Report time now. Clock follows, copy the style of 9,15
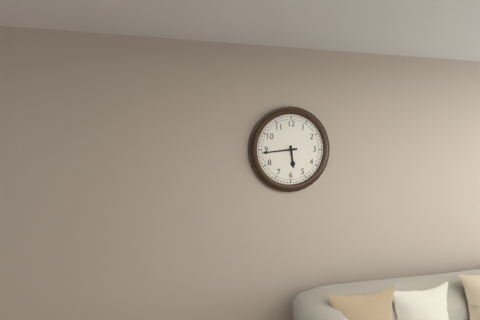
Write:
5,44
